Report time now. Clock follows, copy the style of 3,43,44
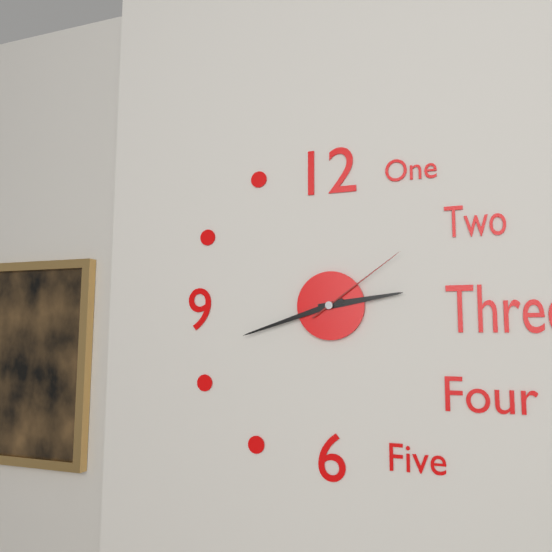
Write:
2,42,09
